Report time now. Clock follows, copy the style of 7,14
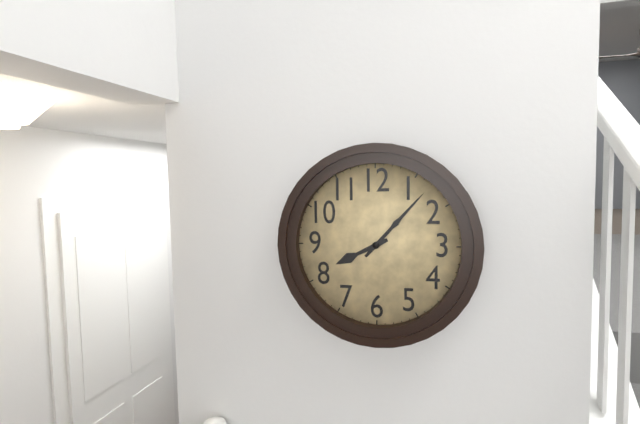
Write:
8,07
